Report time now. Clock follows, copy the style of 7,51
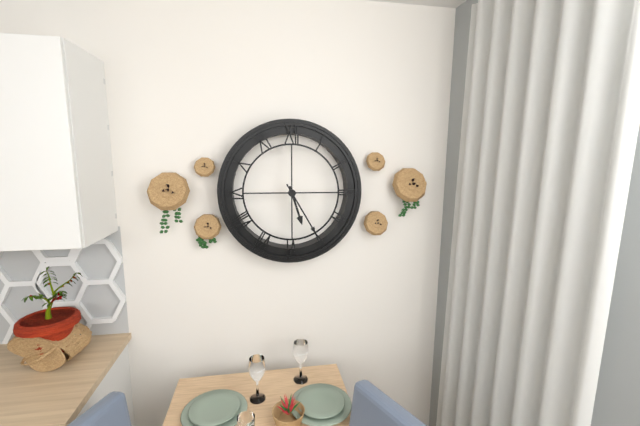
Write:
5,25
